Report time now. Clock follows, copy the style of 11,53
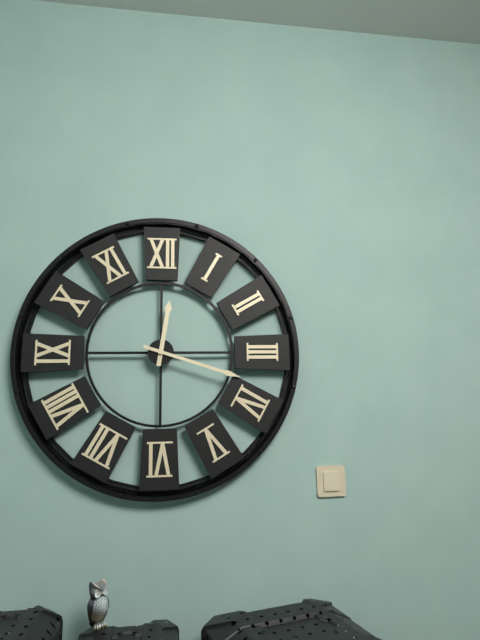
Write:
12,18
